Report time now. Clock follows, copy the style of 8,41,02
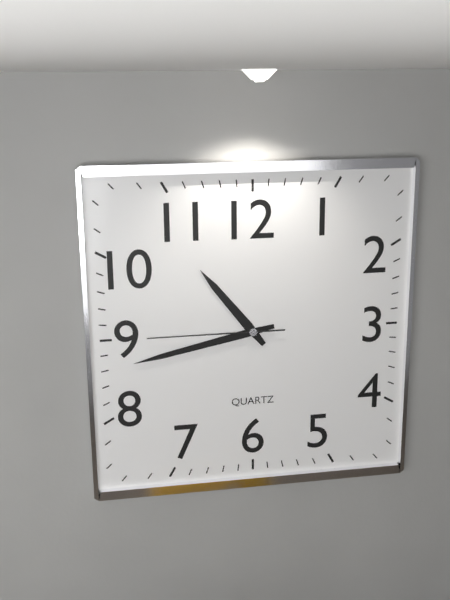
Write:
10,43,45
